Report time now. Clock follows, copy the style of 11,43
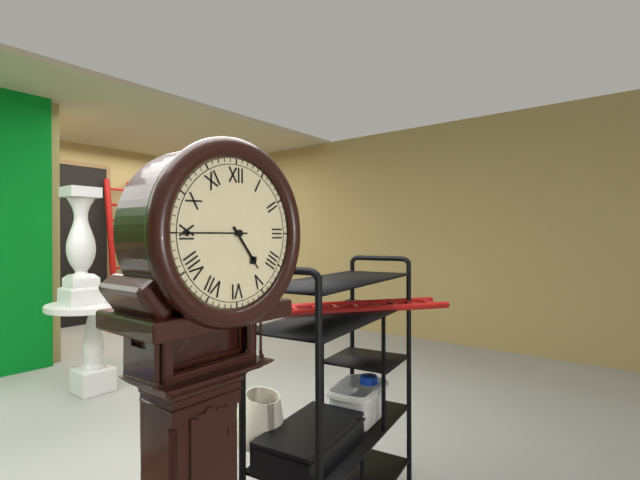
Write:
4,45
